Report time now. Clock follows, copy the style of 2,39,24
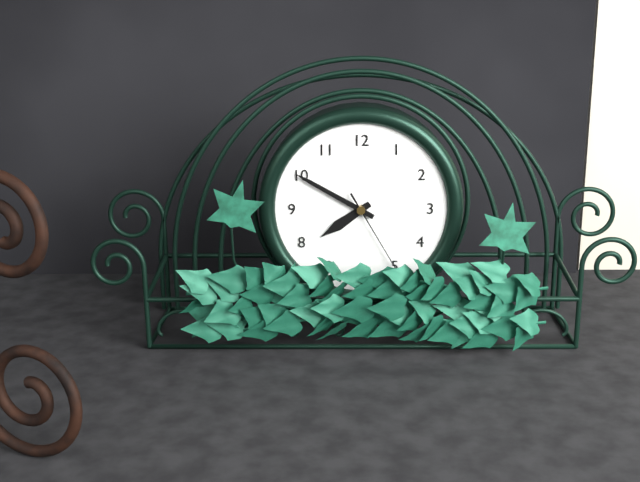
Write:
7,50,25
